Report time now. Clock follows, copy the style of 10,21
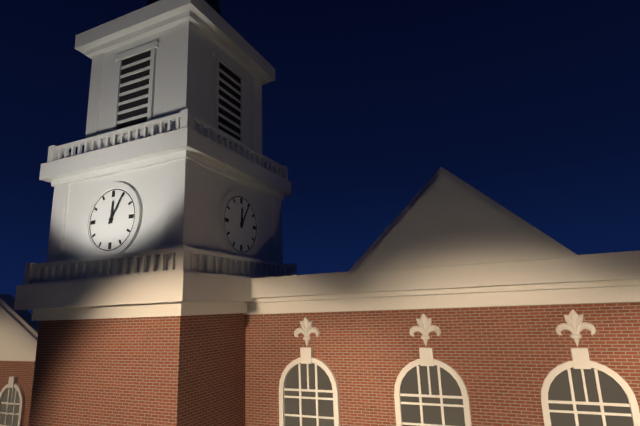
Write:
12,05
